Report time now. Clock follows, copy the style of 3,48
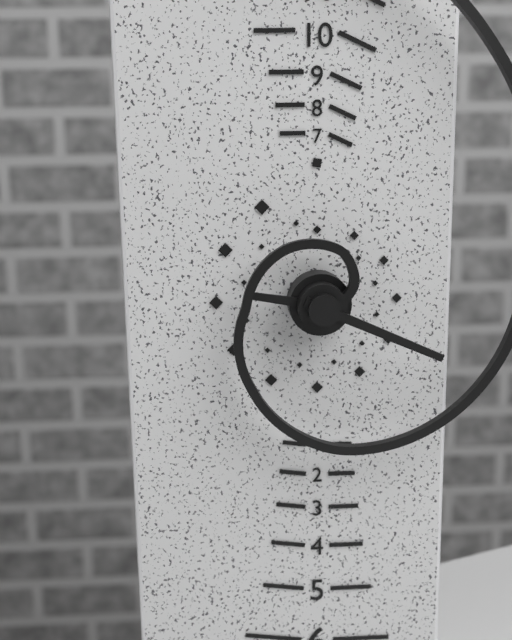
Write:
9,19
